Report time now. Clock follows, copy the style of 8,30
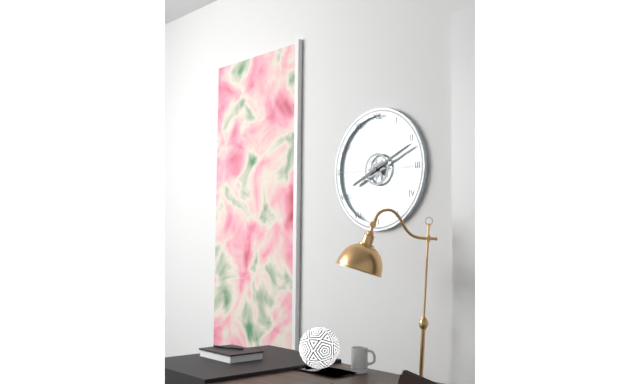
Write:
8,11
